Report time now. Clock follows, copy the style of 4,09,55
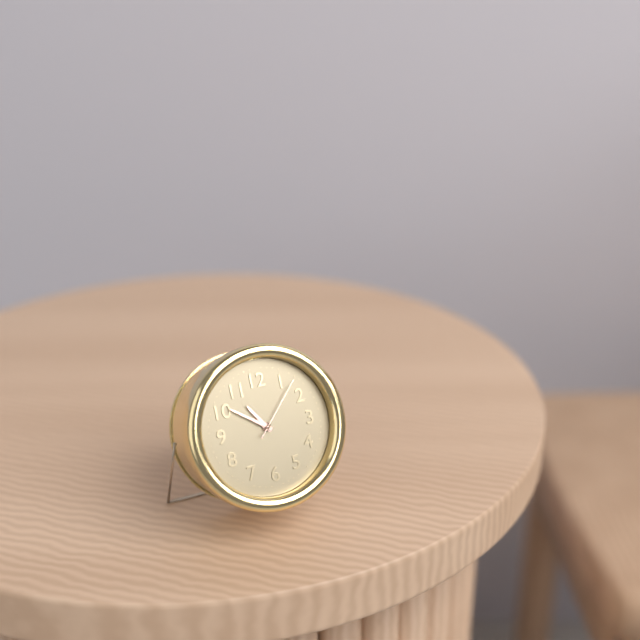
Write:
10,51,07
